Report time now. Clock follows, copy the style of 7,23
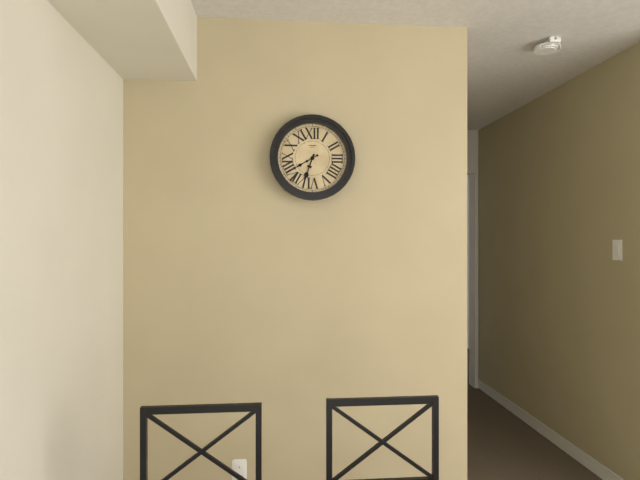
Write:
6,40
